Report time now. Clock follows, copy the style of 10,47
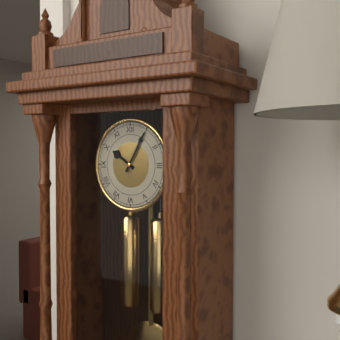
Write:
10,05
